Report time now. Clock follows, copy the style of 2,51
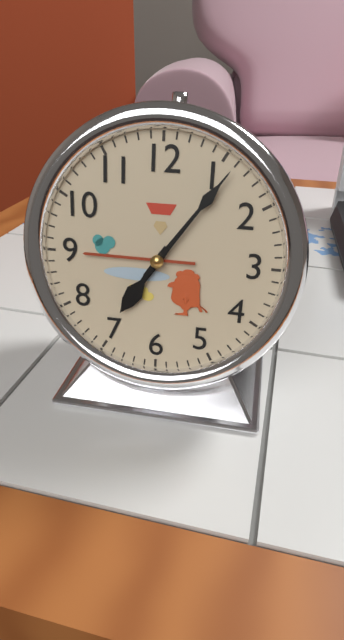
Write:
7,06
